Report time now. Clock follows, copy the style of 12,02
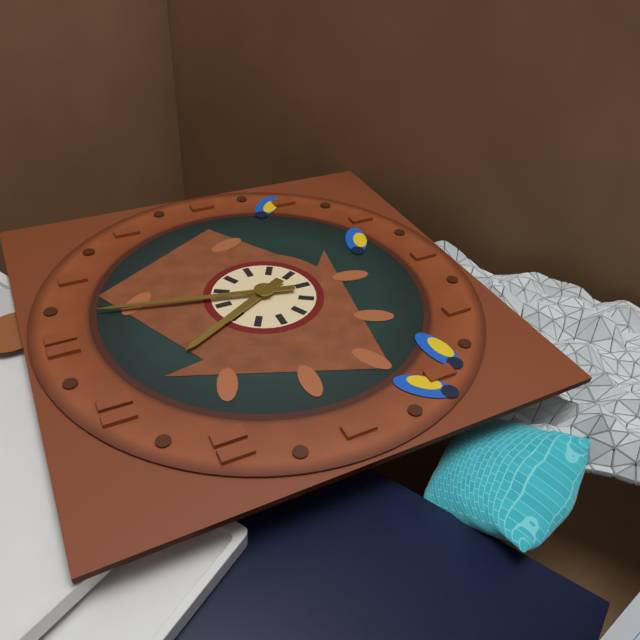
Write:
11,02
